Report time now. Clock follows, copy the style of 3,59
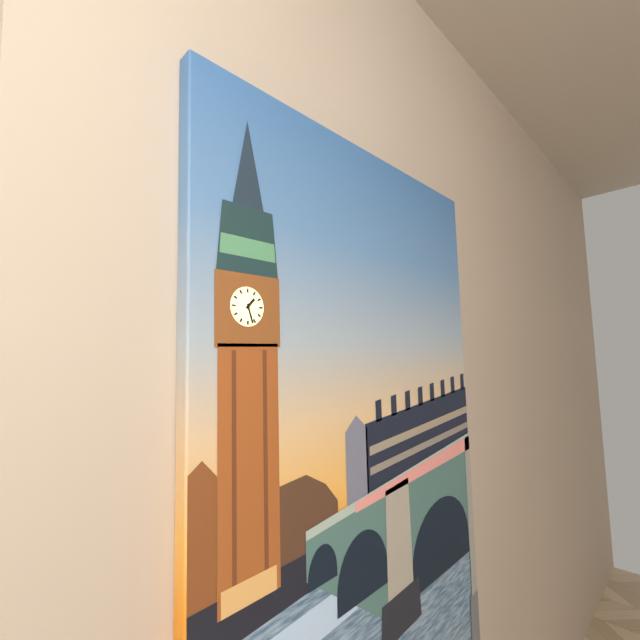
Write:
1,27
